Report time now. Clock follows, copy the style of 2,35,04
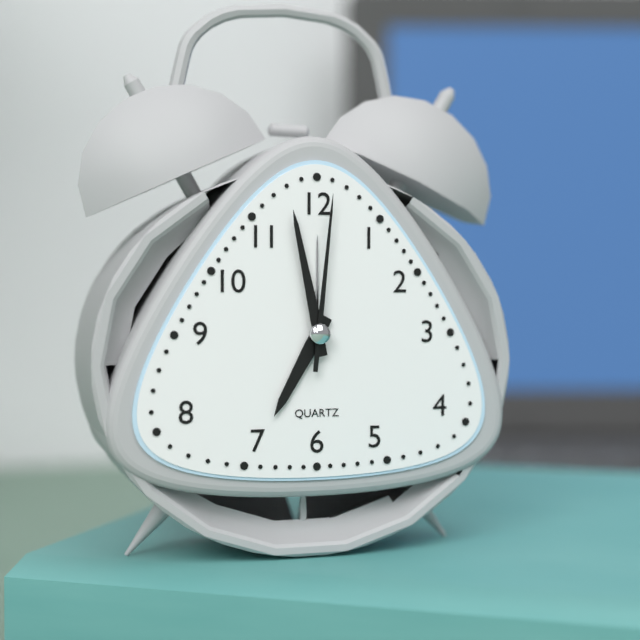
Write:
6,58,01
